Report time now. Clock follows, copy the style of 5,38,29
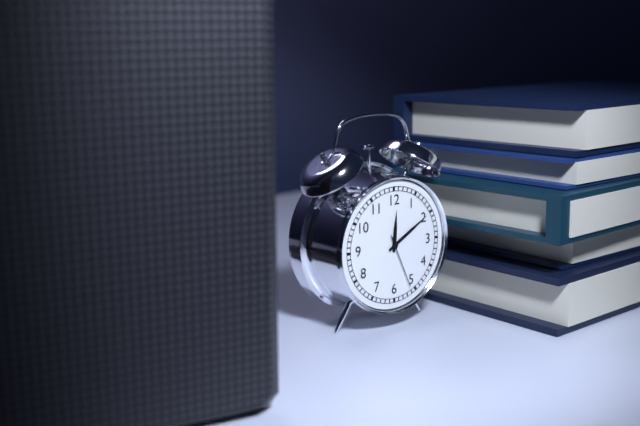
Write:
12,10,26
